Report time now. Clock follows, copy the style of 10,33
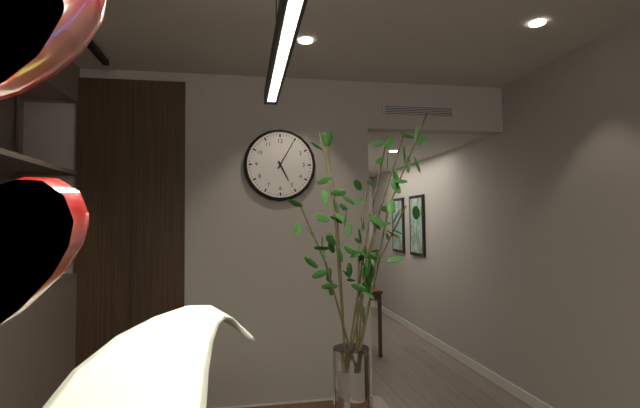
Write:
5,05
